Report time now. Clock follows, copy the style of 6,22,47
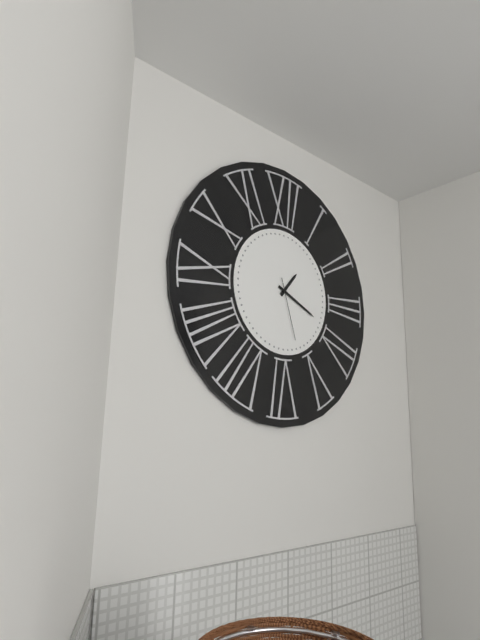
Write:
1,19,27
